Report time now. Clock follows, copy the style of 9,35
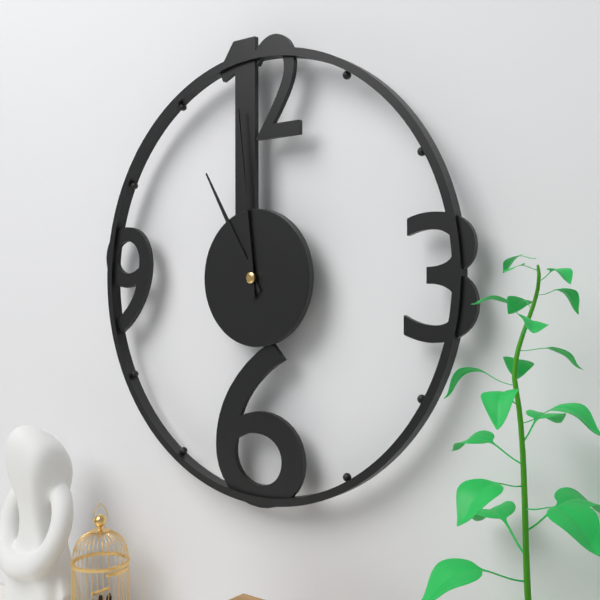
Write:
10,59
